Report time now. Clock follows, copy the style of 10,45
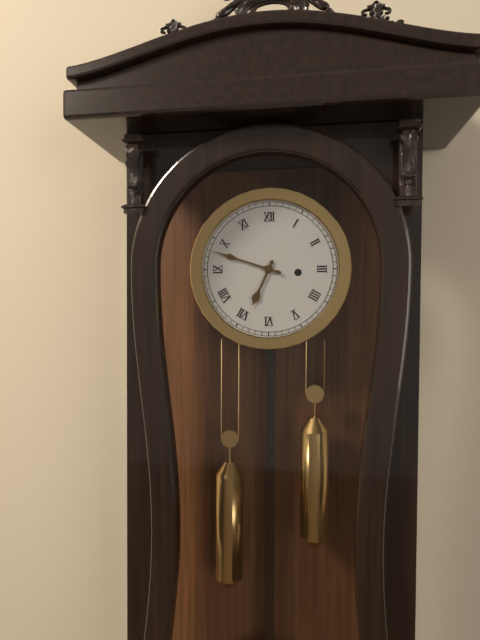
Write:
6,48
